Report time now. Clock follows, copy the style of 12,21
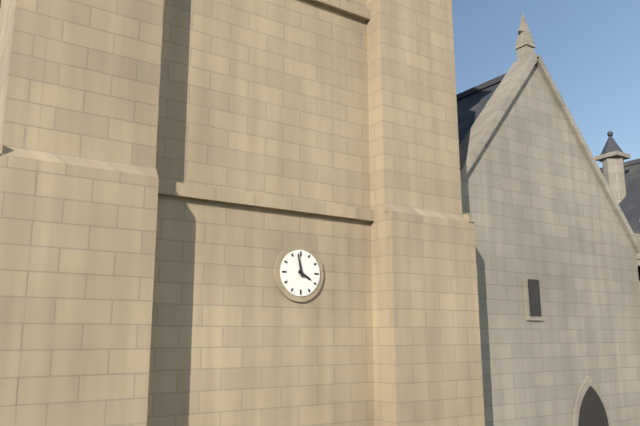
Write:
3,58
